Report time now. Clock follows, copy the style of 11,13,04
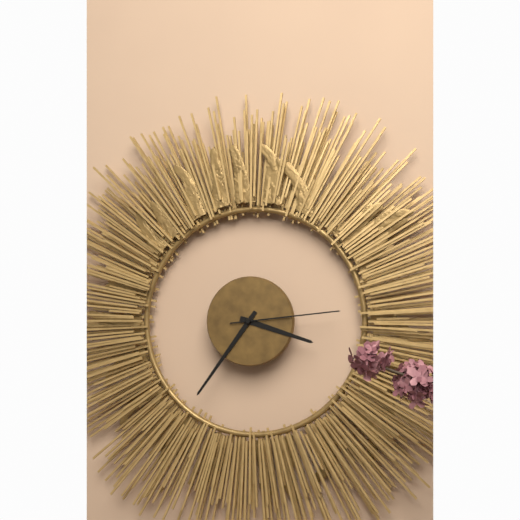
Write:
3,36,14
